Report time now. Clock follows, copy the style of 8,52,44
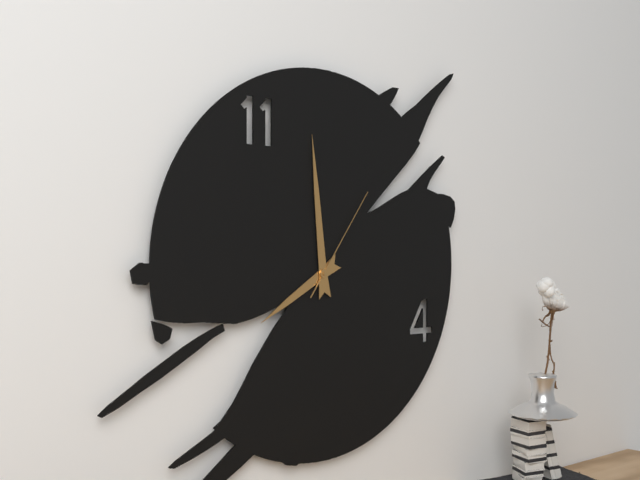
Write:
7,59,06
